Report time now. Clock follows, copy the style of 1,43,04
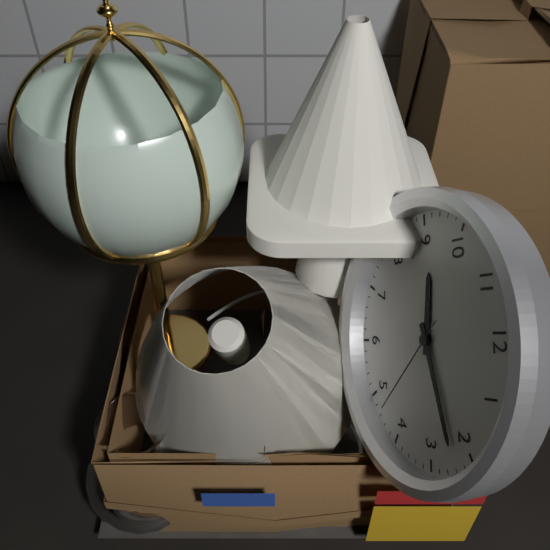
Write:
9,12,23
